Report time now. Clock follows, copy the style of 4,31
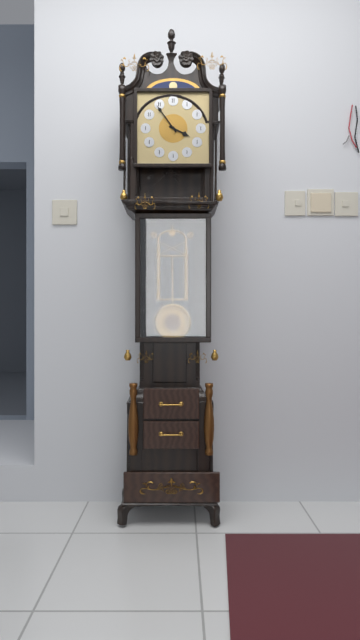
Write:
3,54
